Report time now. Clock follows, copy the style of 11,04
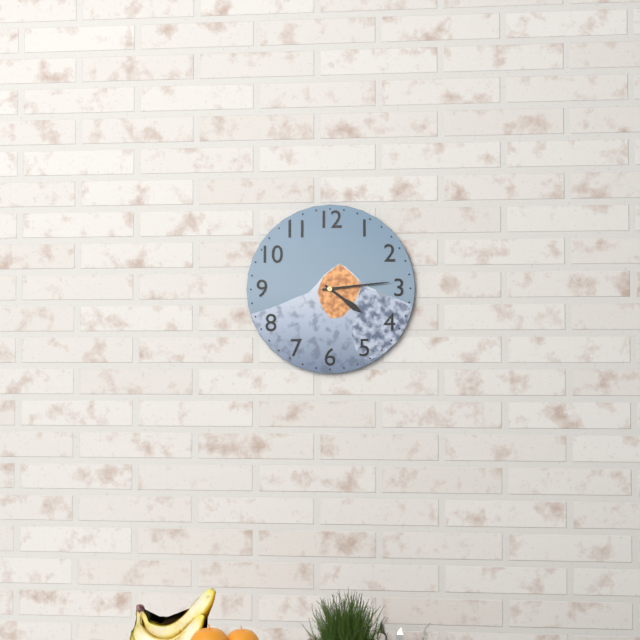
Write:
4,14
